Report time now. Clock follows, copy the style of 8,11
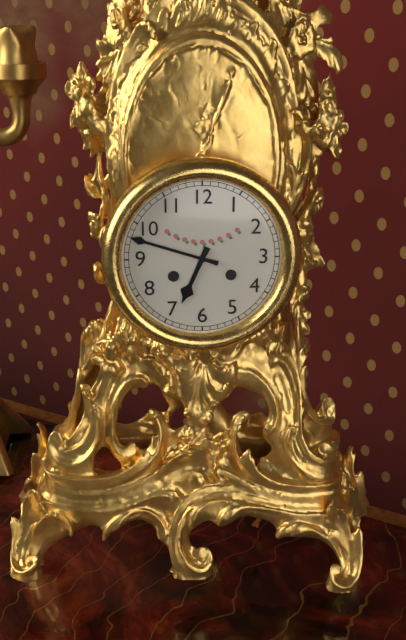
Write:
6,48
